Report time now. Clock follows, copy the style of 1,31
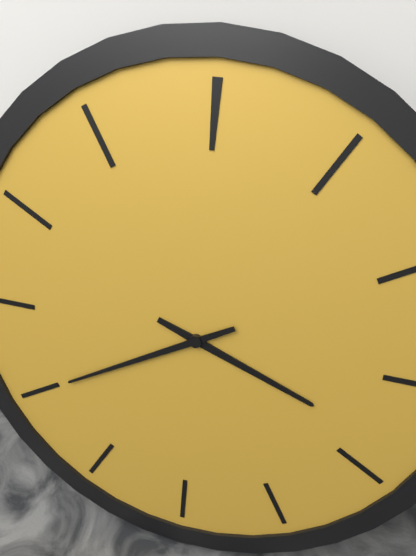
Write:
3,40
